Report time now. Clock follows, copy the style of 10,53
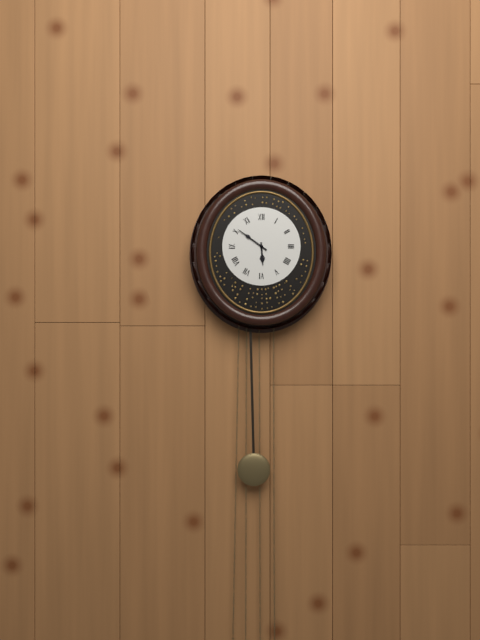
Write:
5,51
